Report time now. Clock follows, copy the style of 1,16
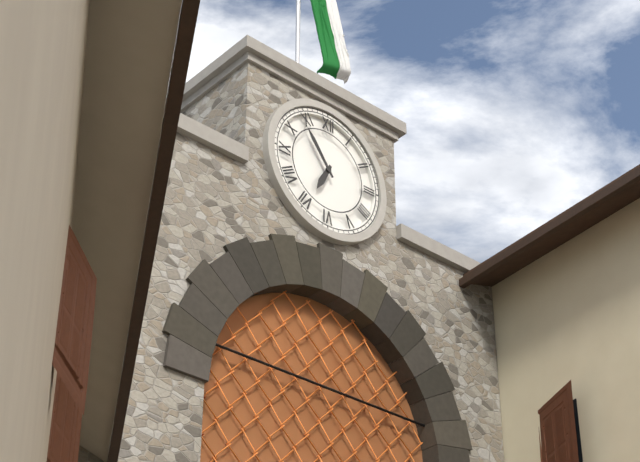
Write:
6,54
